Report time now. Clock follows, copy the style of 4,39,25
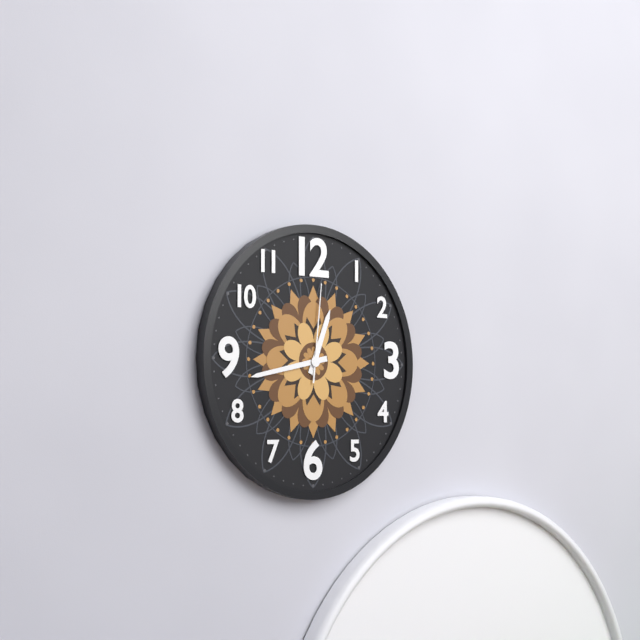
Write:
12,43,01
